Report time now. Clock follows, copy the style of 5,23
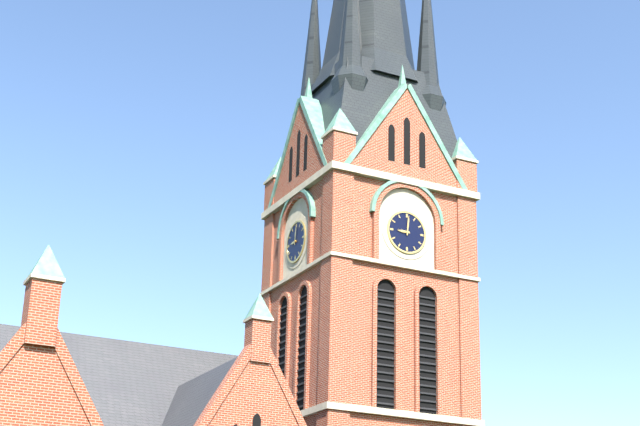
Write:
9,01
